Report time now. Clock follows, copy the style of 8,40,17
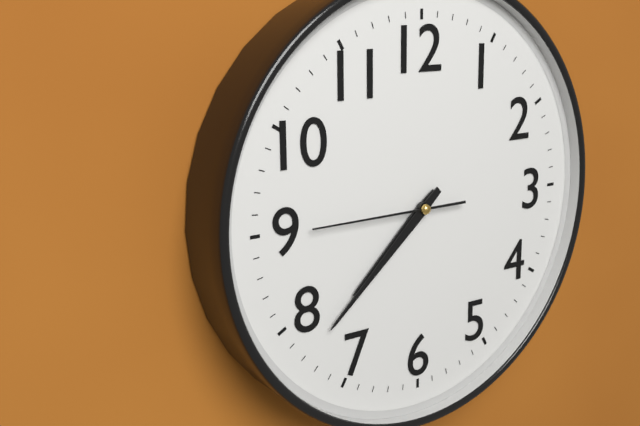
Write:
7,38,45
